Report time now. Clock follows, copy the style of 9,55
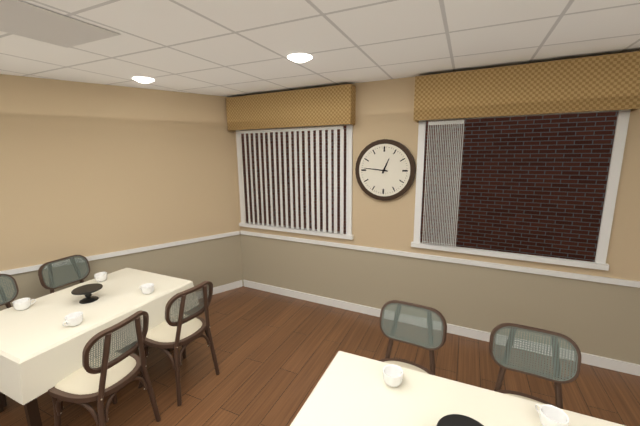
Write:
12,46
